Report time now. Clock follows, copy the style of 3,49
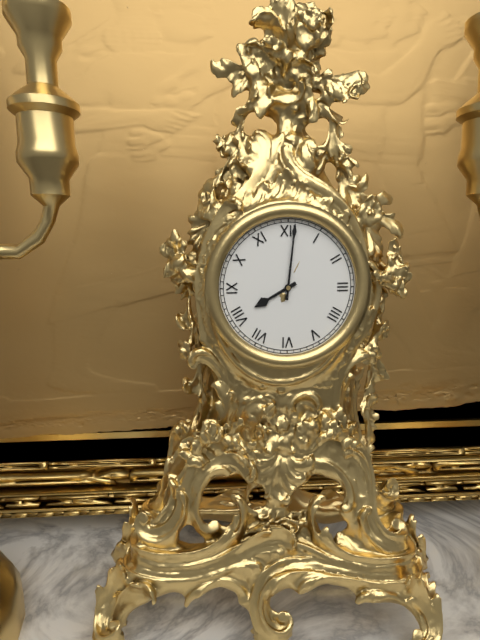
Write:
8,01
